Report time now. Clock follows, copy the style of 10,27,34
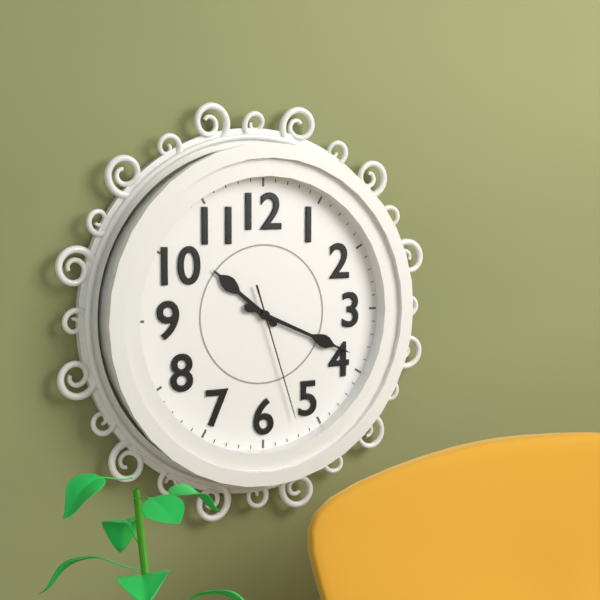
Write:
10,19,27
